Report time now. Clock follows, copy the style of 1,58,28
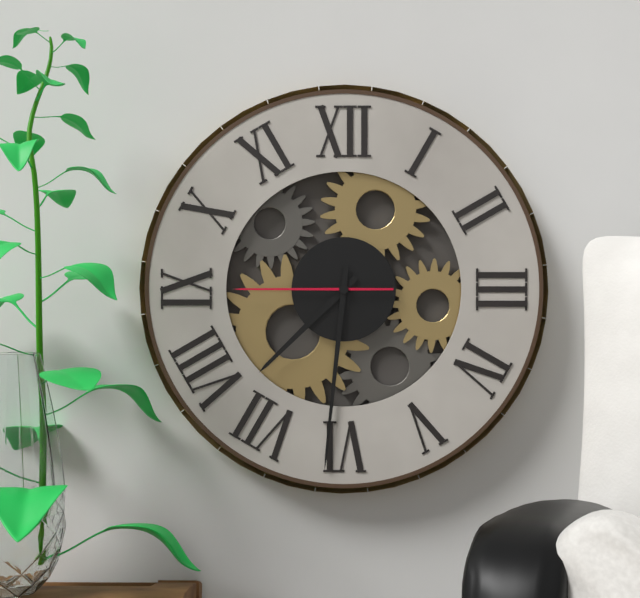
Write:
7,31,45
